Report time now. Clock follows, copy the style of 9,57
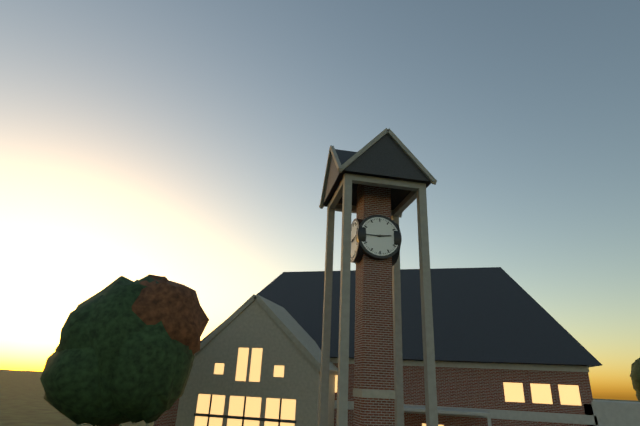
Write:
2,45
